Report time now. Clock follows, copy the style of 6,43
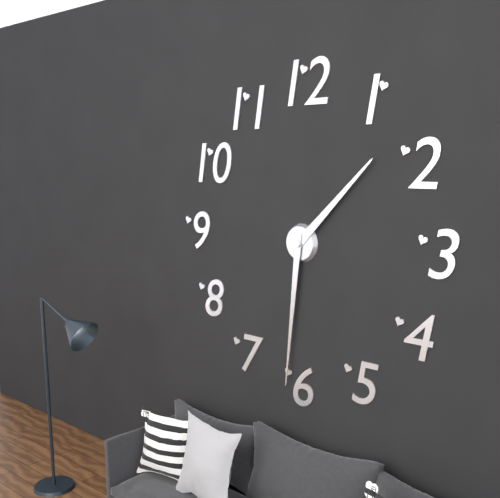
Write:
1,31
